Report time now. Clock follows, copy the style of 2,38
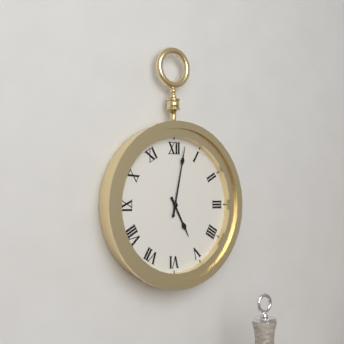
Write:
5,02
